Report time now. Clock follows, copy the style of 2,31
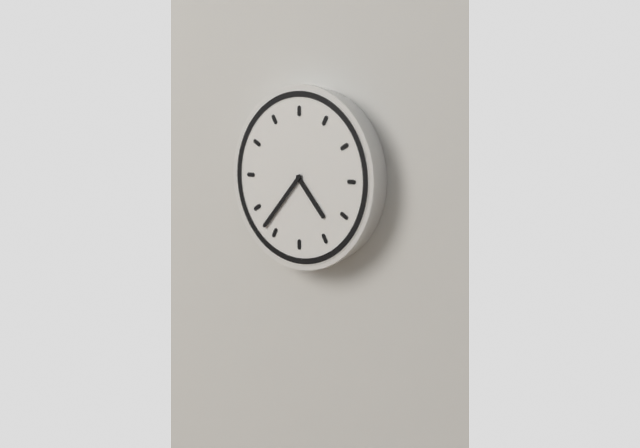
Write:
4,37
